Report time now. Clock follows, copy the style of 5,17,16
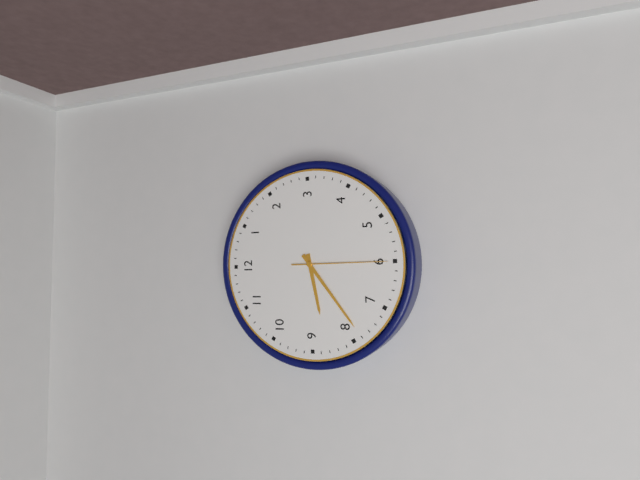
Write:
8,39,30
